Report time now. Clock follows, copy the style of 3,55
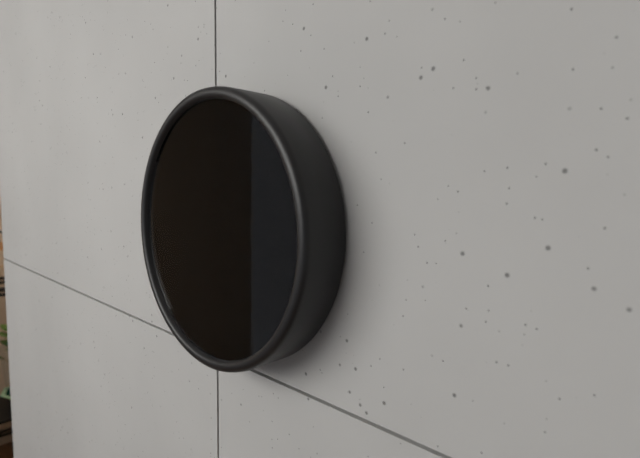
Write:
1,40
